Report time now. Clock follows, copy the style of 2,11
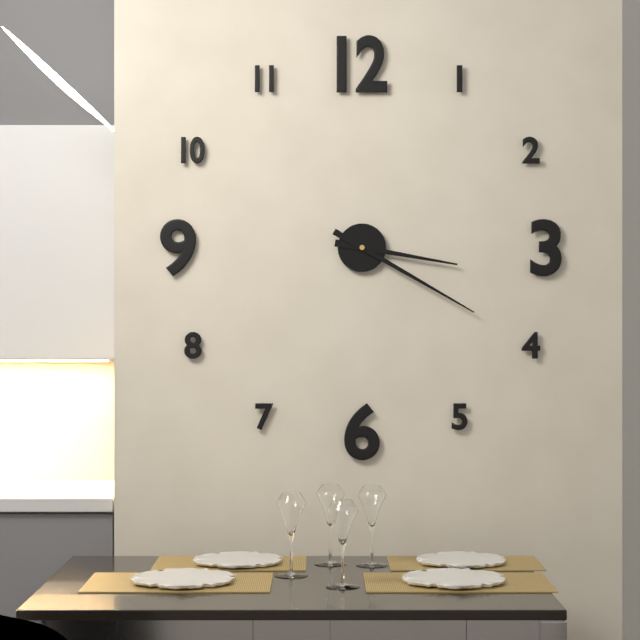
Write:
3,20
